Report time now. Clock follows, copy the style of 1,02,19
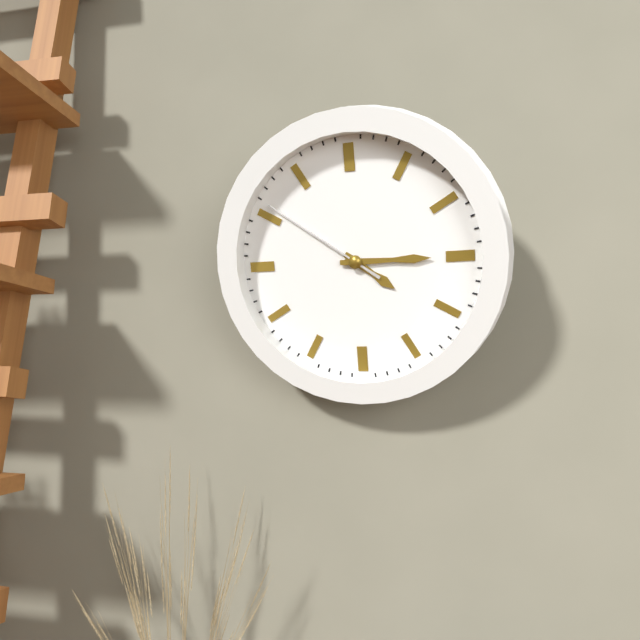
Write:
4,15,51
